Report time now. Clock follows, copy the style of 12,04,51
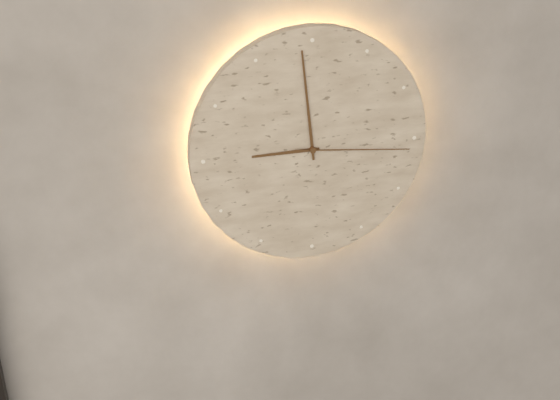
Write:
8,59,16
